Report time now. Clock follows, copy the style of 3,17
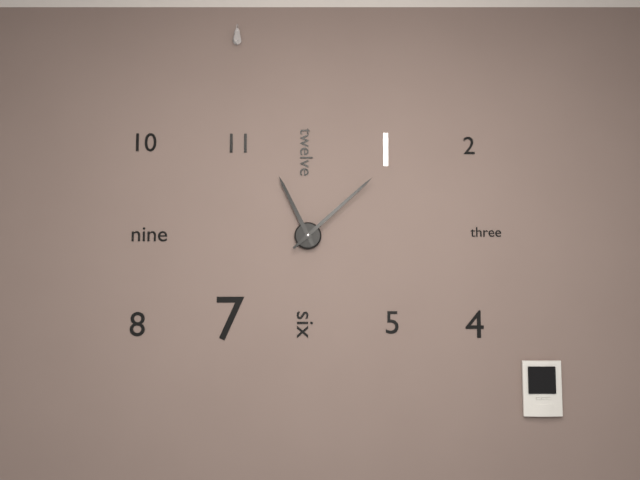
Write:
11,08
